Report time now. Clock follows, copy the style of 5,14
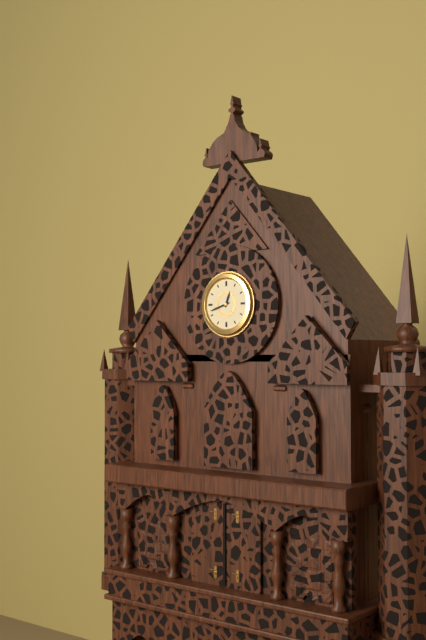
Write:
12,42
